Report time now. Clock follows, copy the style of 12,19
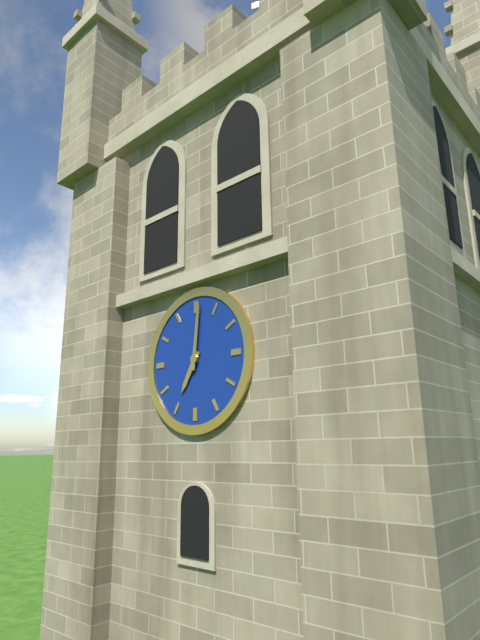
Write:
7,01
